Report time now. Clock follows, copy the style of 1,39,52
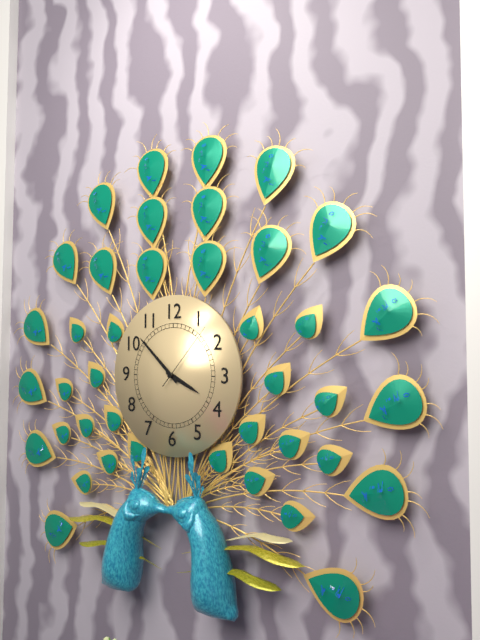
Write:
3,52,07
